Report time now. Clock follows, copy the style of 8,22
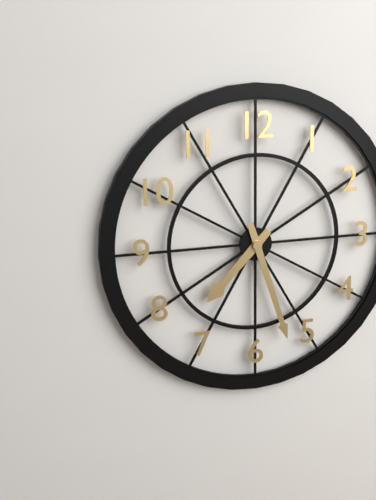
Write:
7,27
